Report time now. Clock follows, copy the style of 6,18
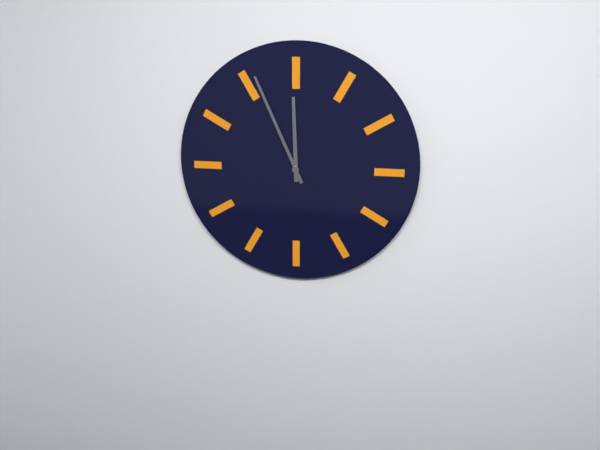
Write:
11,56
